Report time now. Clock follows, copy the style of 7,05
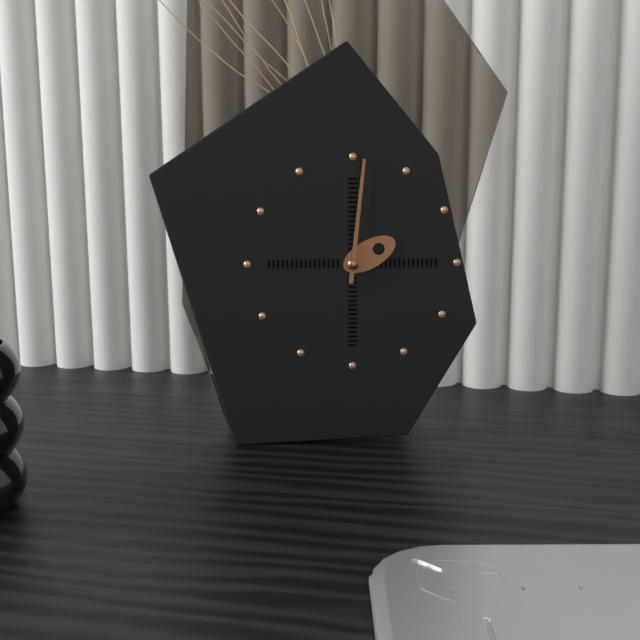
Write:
2,01
